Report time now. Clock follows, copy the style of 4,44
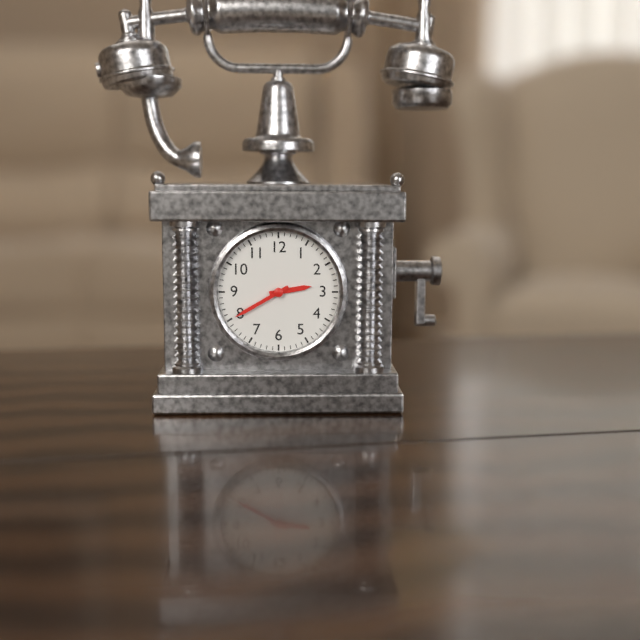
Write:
2,40
